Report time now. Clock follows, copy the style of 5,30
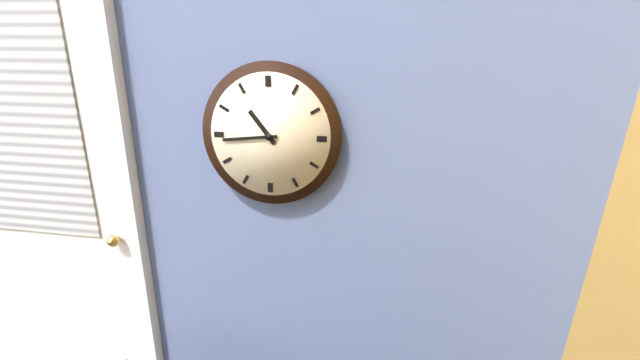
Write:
10,44
